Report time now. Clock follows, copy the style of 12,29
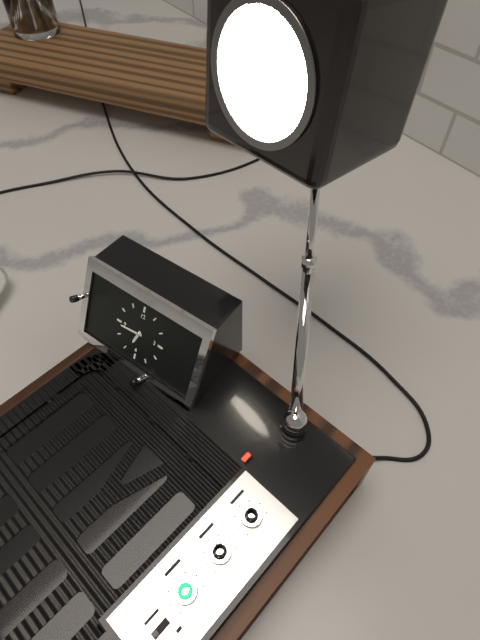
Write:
6,44
